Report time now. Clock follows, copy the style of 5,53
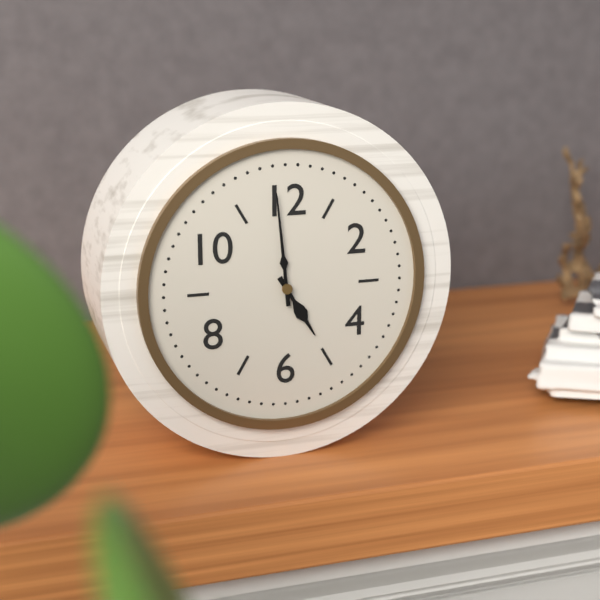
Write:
4,59
